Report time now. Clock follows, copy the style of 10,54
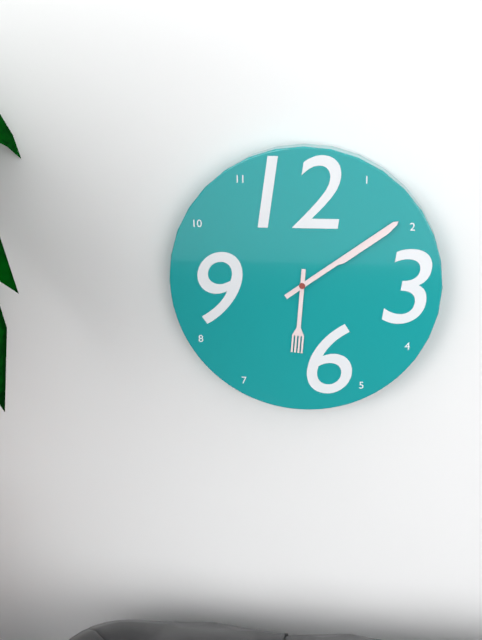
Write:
6,09
